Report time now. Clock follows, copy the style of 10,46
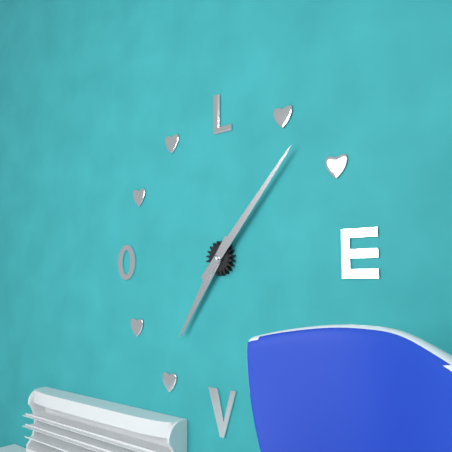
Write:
7,07
